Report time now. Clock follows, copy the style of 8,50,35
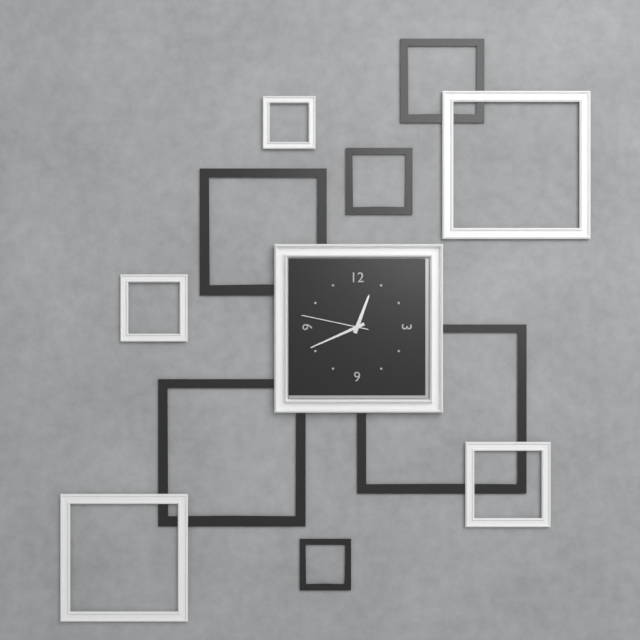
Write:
12,41,47
